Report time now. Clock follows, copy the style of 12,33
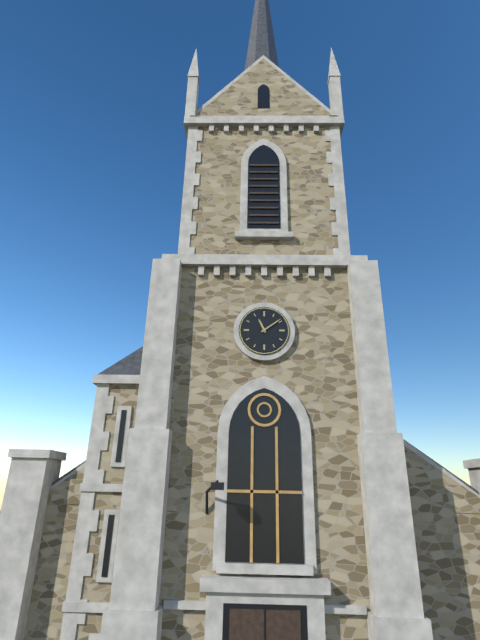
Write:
11,09
